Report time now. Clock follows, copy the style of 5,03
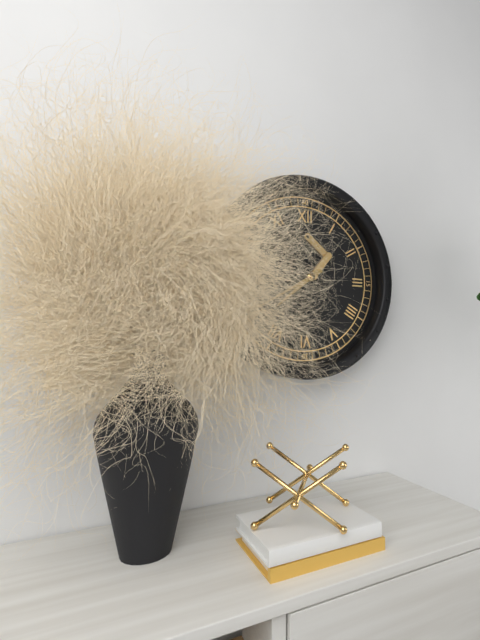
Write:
7,40
